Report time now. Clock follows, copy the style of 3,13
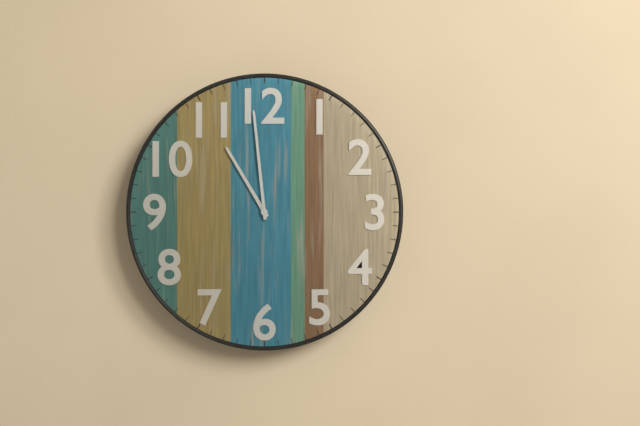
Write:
10,59
